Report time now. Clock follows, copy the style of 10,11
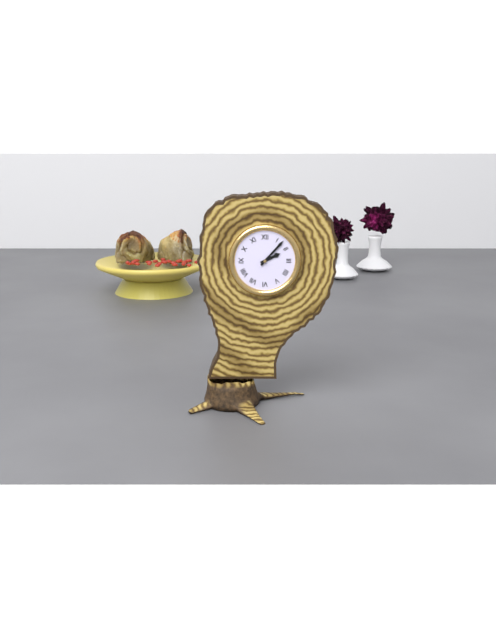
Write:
2,07
